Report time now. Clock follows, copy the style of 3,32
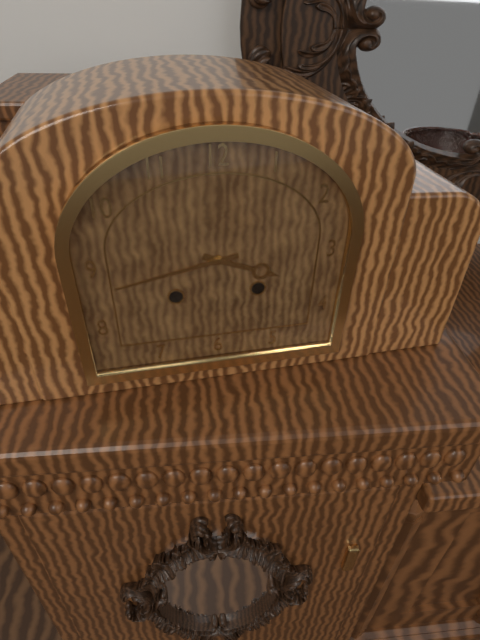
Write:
3,43
